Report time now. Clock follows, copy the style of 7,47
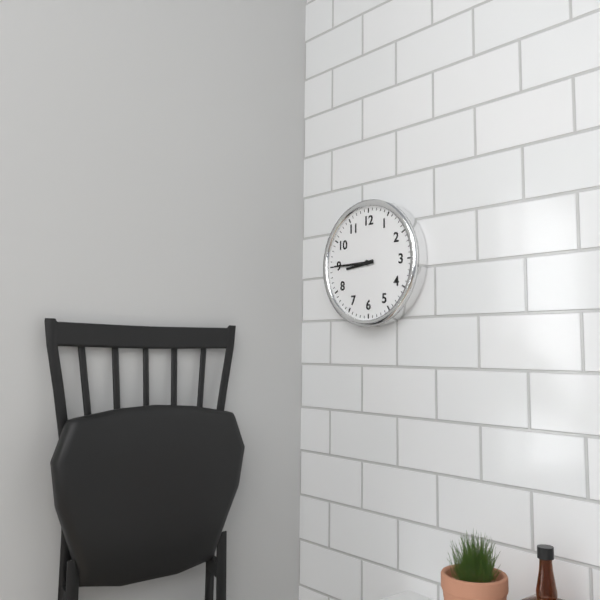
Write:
8,45
